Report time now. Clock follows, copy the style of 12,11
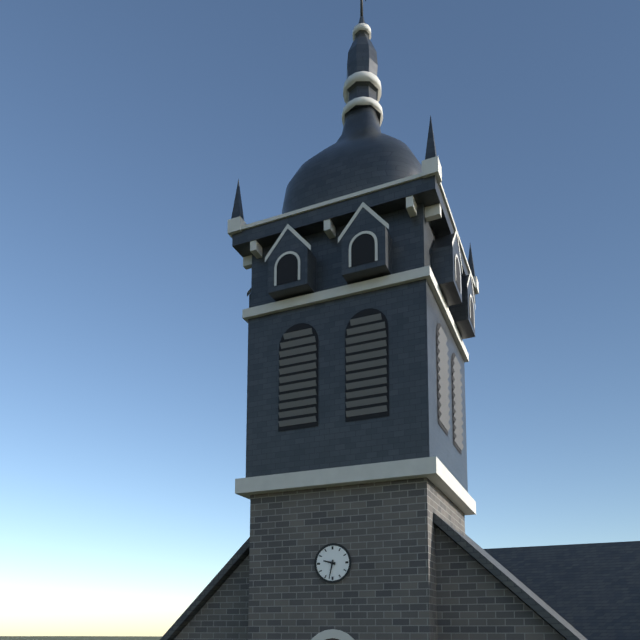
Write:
9,32
